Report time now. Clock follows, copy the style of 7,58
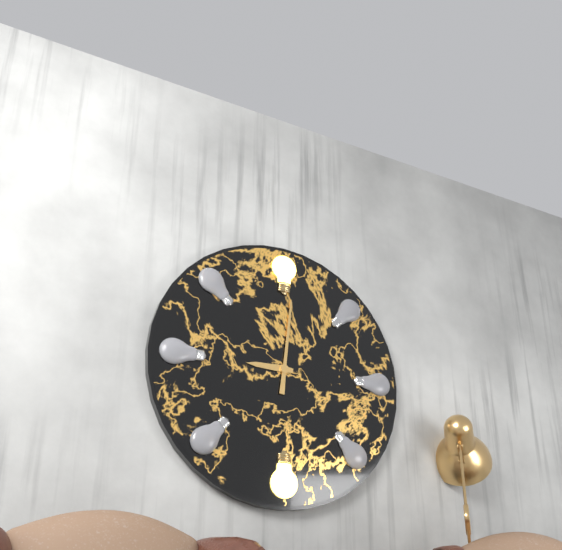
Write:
9,01
